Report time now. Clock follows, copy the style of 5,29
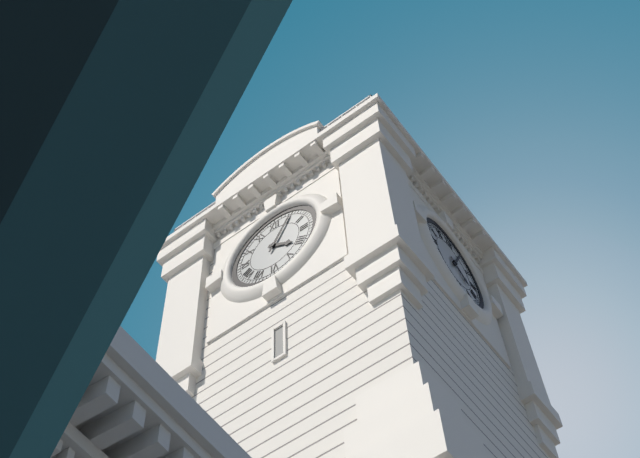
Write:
4,05
